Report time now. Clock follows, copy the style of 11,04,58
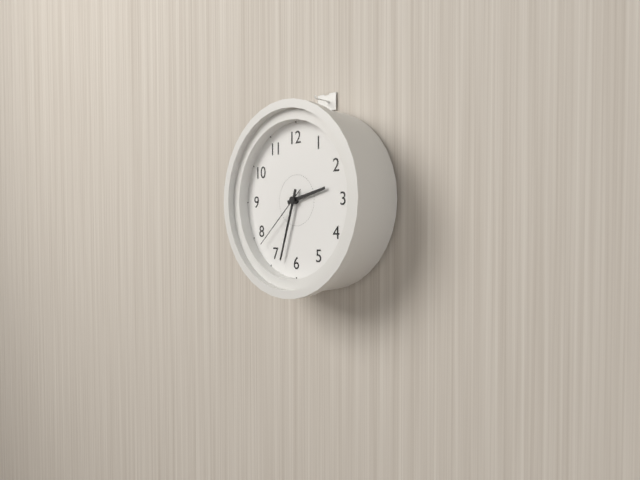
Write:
2,33,38
